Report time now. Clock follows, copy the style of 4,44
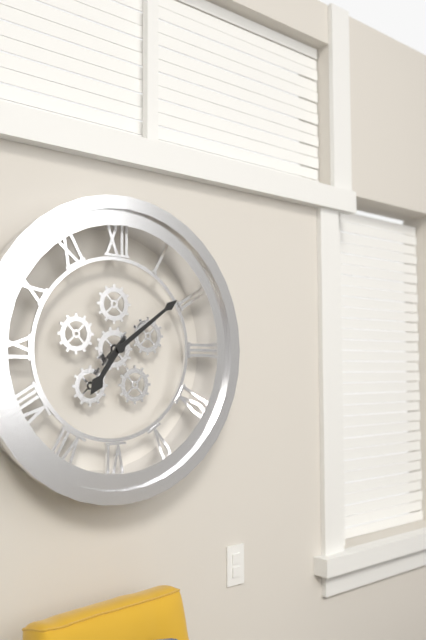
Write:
7,09
